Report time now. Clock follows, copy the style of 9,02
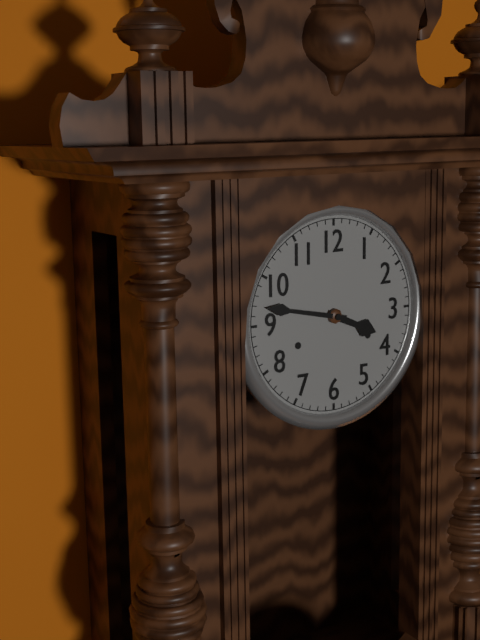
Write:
3,47
